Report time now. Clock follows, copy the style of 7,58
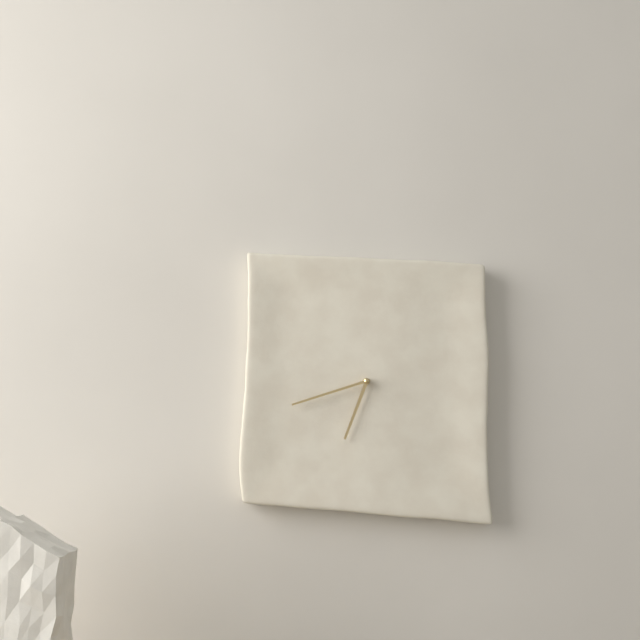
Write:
6,42
